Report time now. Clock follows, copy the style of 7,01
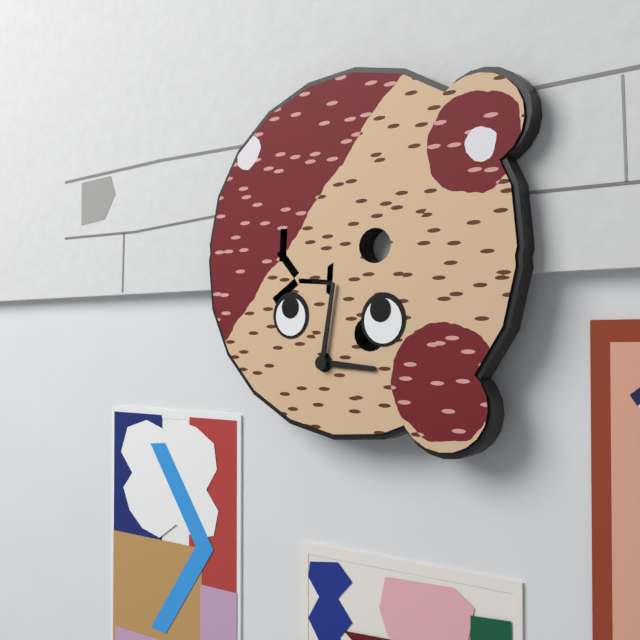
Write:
3,01
